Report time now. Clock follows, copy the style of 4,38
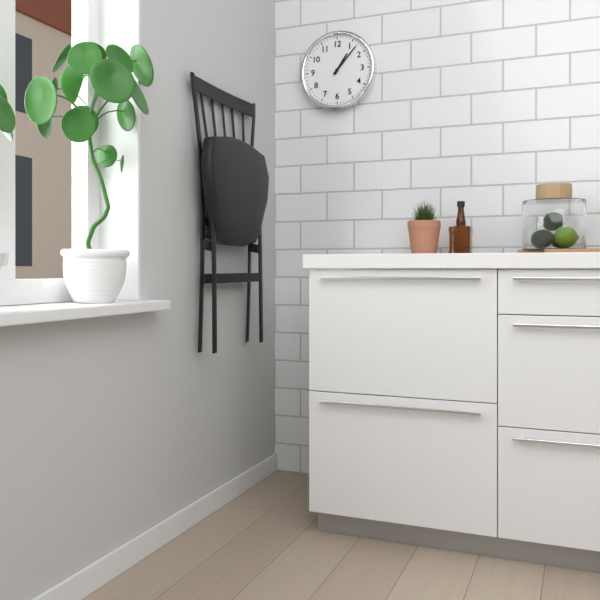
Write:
1,07
